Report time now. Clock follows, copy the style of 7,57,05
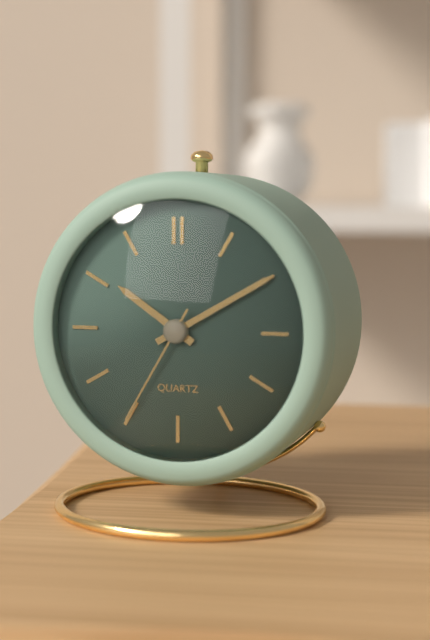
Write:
10,10,35
